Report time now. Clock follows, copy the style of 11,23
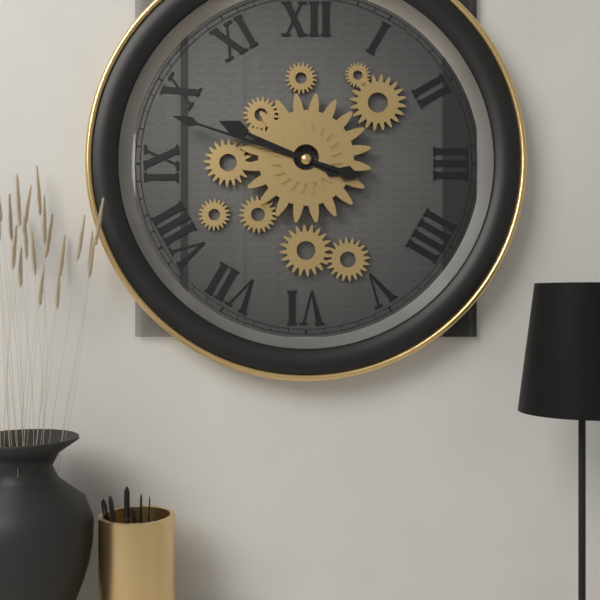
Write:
9,48
